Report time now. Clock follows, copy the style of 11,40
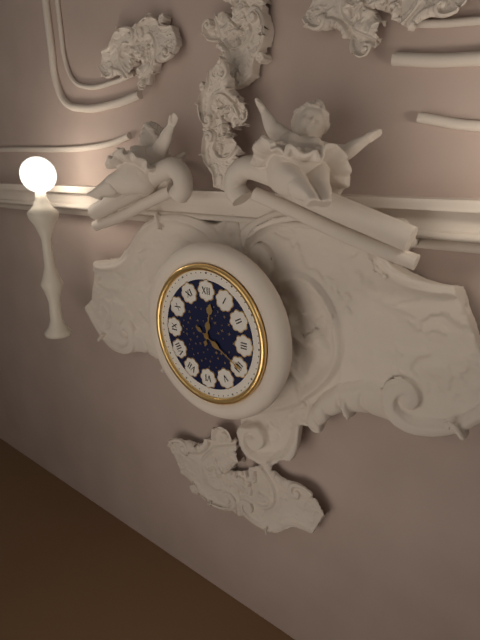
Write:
12,20
